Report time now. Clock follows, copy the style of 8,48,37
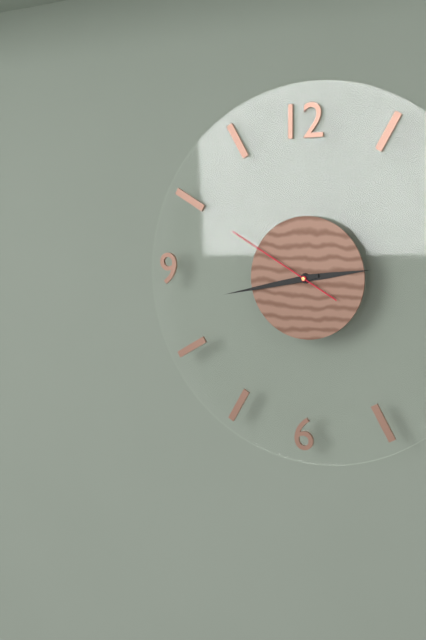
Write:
2,43,50
